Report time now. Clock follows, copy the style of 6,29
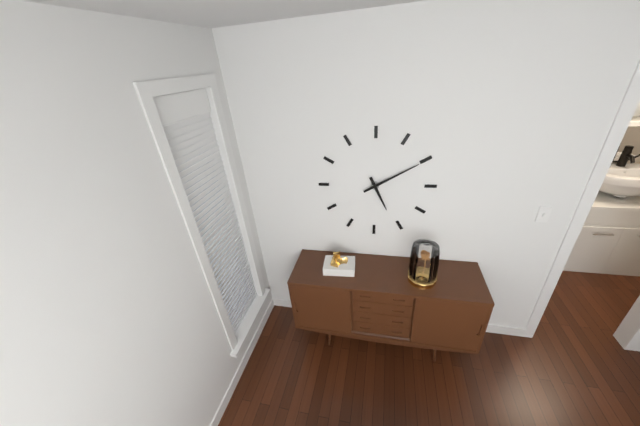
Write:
5,10
